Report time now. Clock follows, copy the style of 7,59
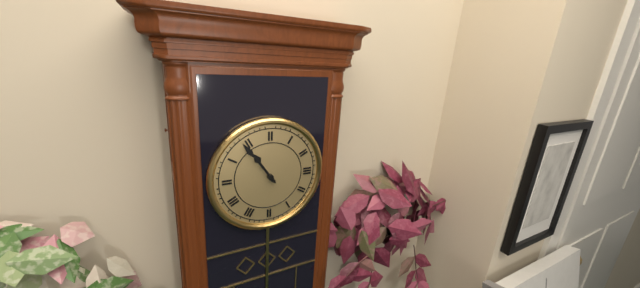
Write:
10,54
